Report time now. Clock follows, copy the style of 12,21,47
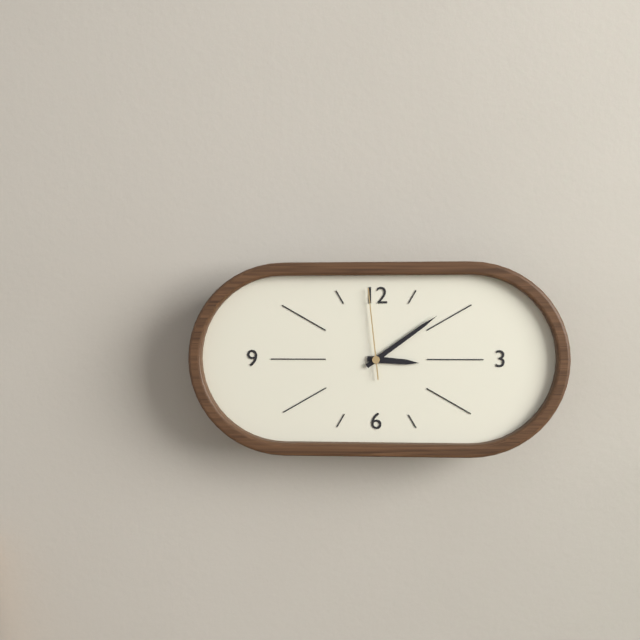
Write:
3,09,59
